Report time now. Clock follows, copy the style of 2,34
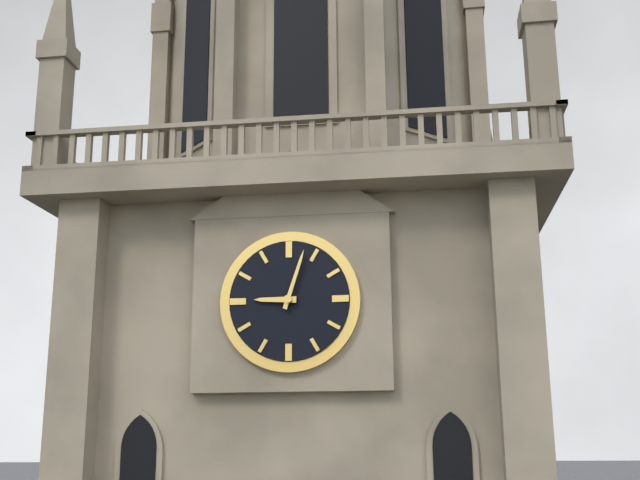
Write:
9,03
